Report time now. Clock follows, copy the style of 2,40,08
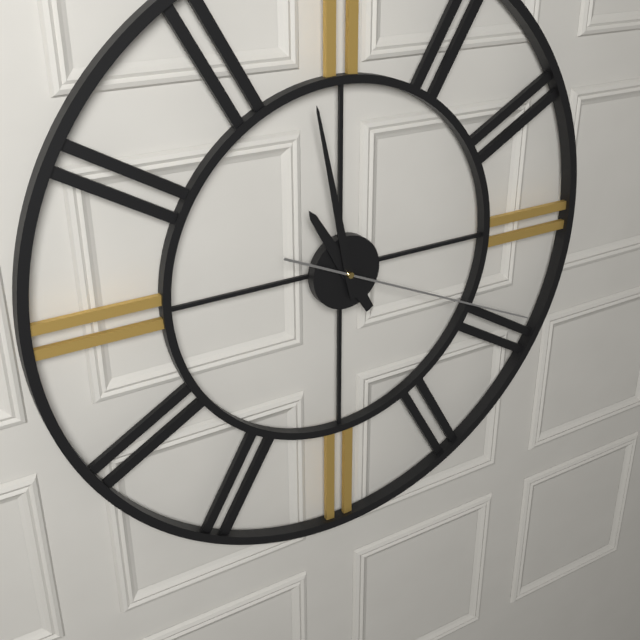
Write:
10,58,19
